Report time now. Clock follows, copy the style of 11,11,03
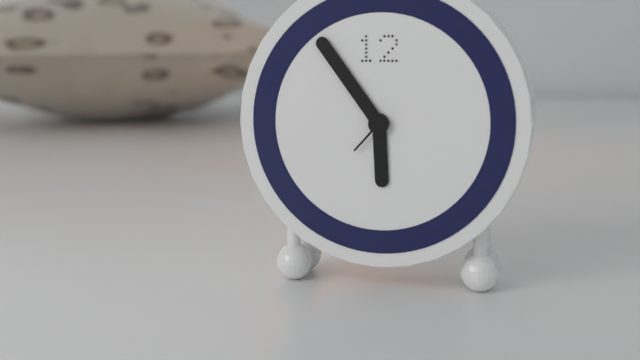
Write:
5,54,37
